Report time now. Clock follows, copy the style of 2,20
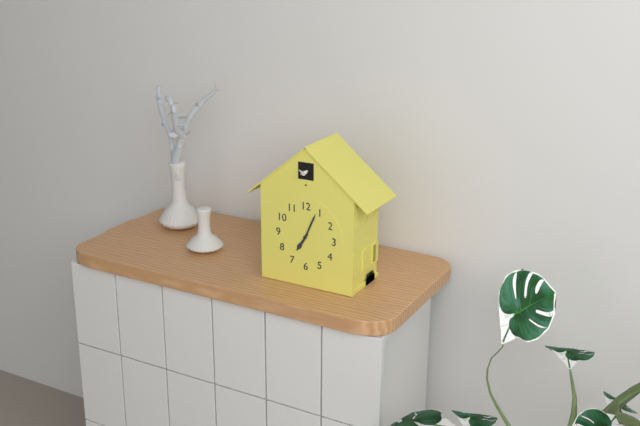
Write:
7,04
